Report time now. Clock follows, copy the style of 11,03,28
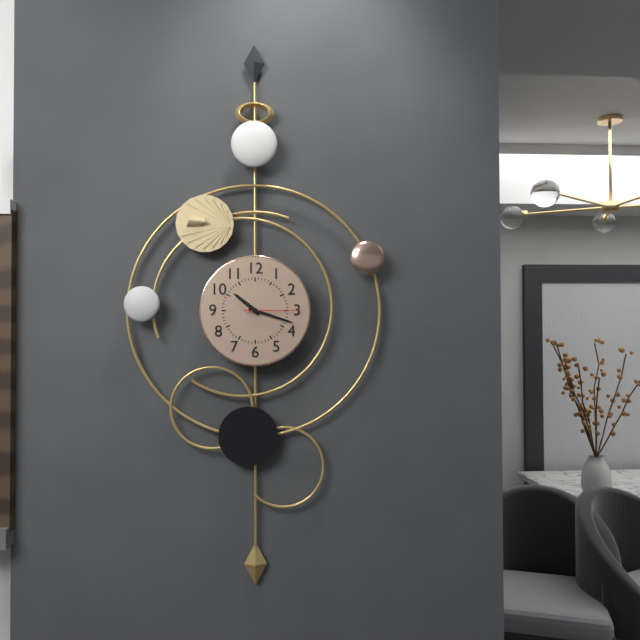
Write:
10,18,15
